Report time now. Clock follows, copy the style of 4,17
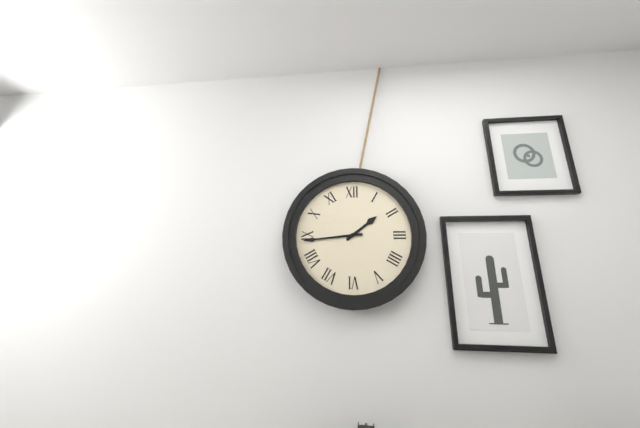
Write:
1,44
